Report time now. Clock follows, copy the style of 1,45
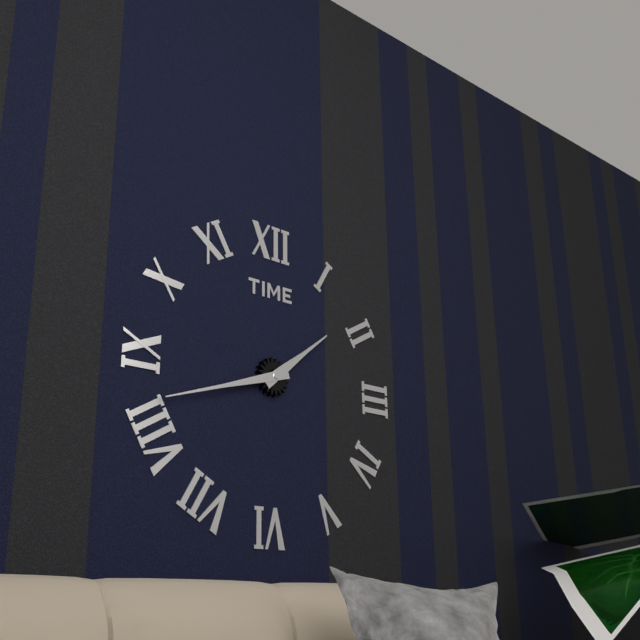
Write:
1,42
